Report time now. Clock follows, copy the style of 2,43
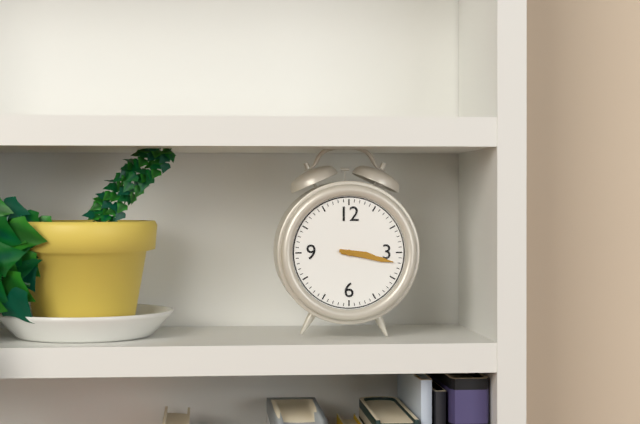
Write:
3,17
